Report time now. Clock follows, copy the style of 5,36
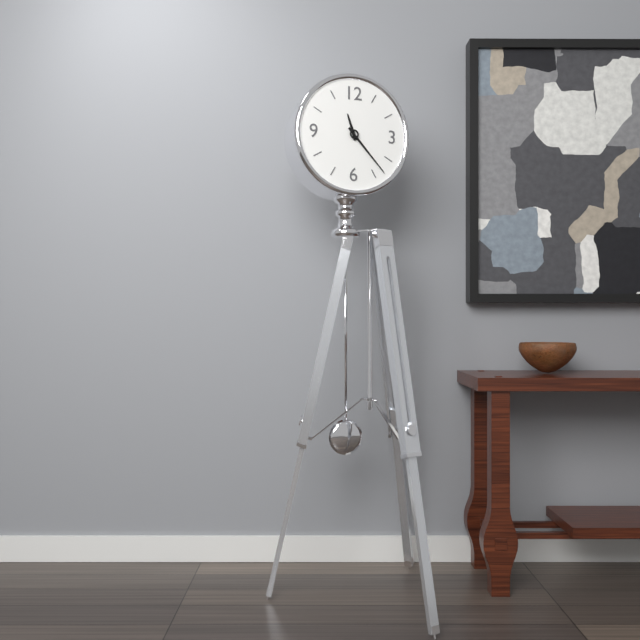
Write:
11,23
